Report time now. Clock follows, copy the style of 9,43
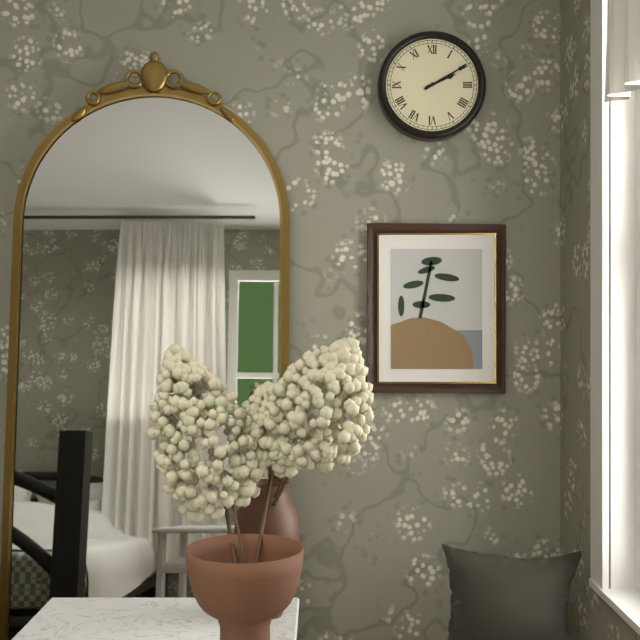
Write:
2,10
